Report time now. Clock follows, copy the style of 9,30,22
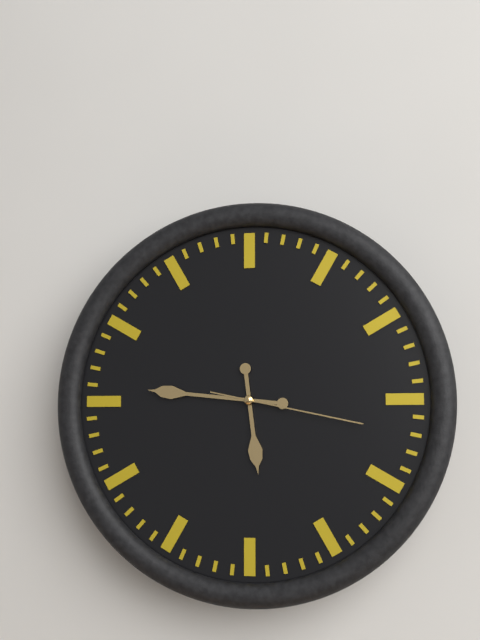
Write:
5,46,17
